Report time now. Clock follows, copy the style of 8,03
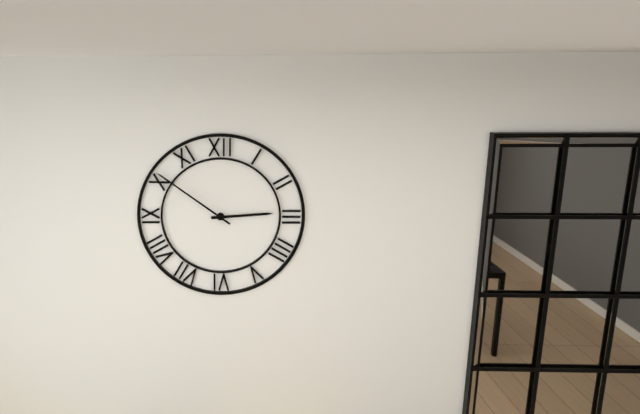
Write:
2,51
